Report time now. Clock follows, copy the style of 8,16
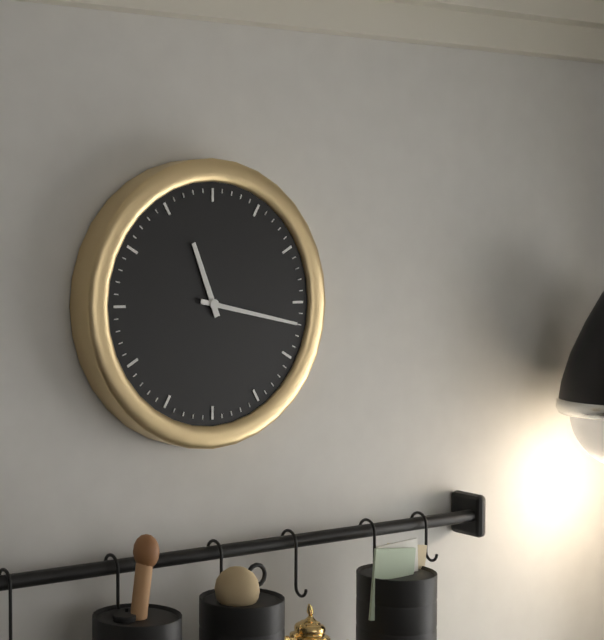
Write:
11,17
